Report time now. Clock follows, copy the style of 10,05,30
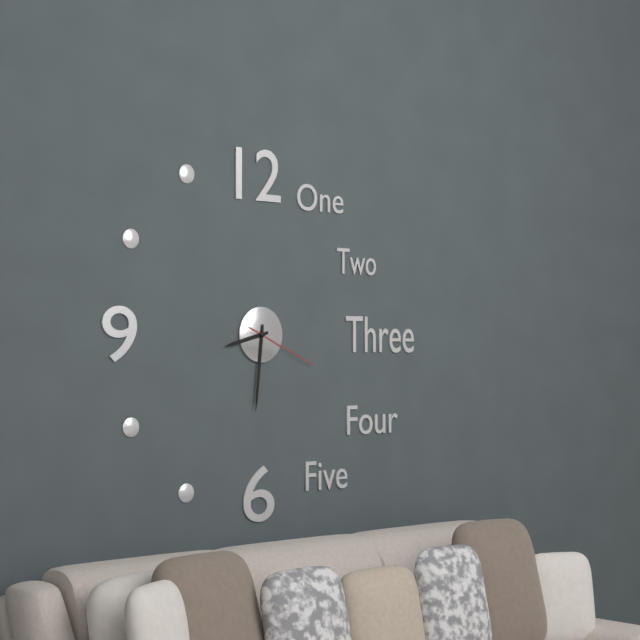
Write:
8,31,19
